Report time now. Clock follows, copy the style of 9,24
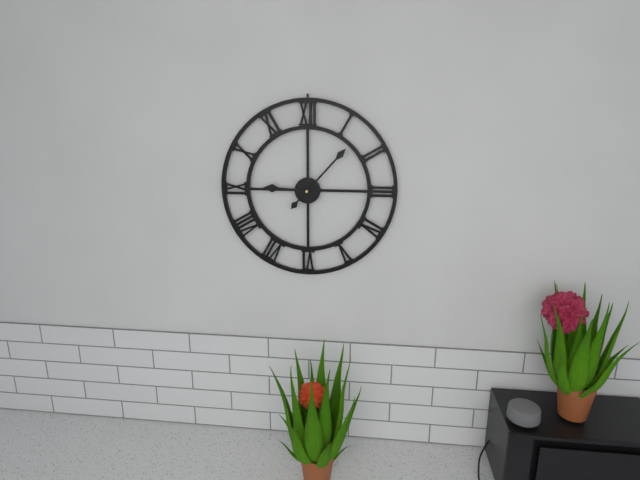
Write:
9,07
